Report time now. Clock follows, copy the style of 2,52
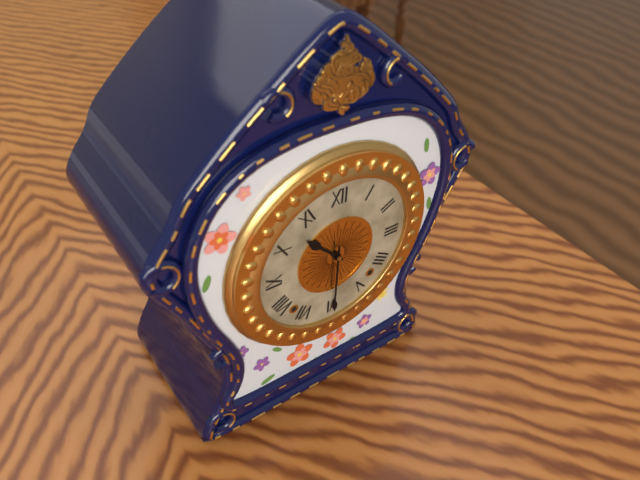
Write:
10,30
